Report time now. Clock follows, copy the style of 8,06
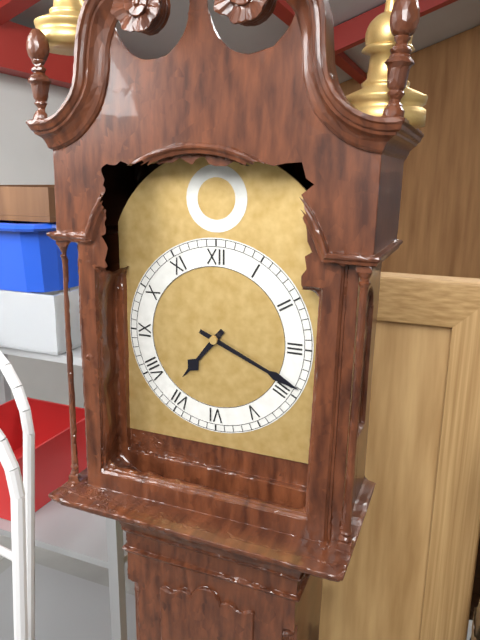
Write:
7,19
